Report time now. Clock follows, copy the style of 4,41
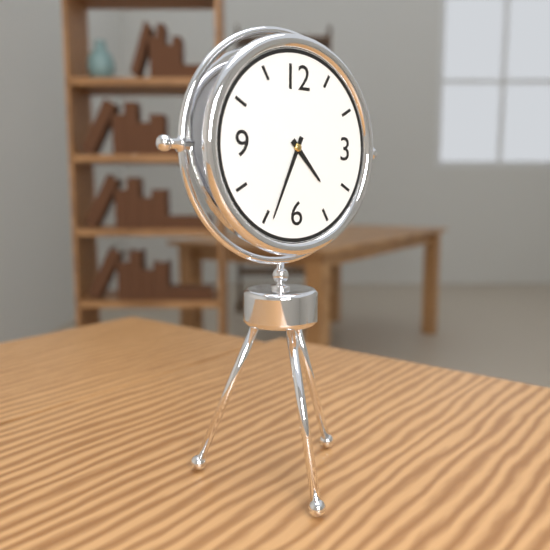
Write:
4,34
